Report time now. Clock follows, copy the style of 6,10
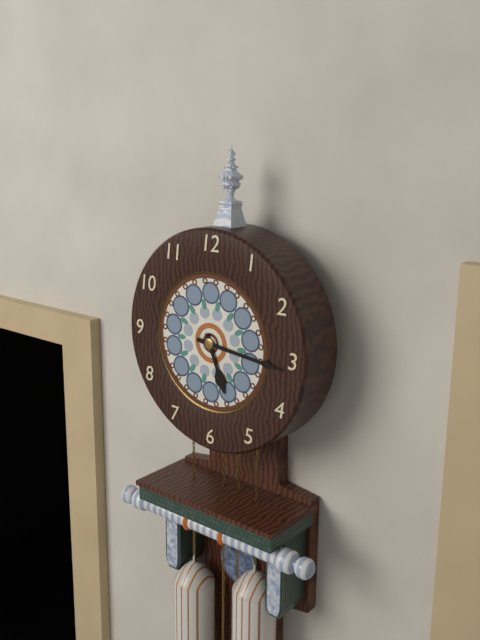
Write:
5,16
